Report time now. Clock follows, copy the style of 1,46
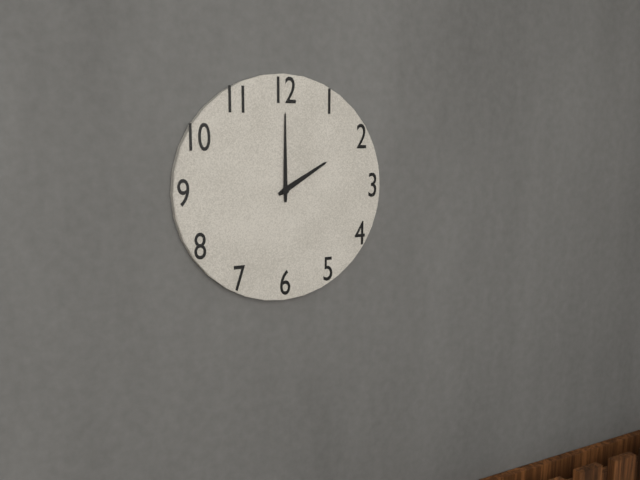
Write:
2,00
